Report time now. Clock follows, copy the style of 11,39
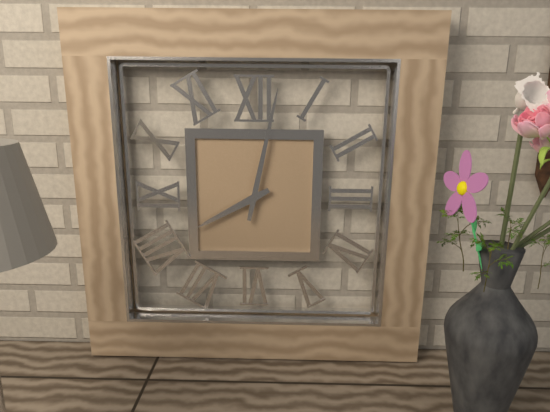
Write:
8,02
